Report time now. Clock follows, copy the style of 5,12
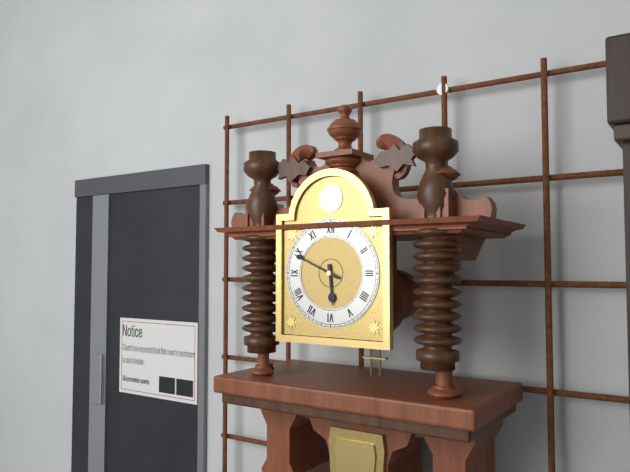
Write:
5,49
